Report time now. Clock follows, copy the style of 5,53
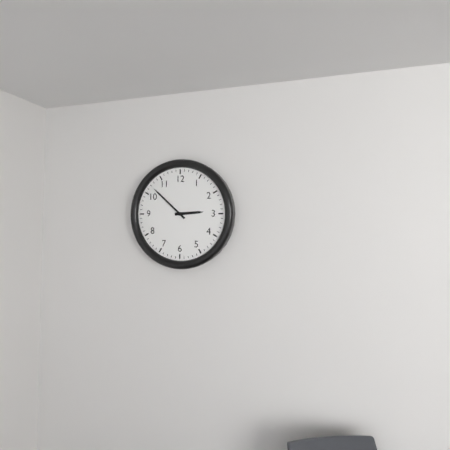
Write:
2,52
